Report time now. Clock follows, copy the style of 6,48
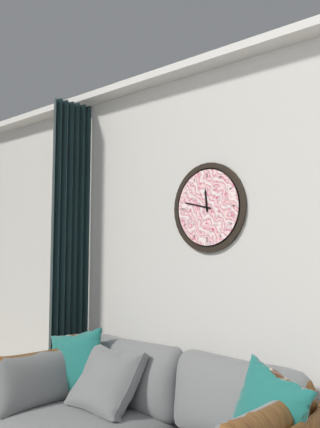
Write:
11,47
